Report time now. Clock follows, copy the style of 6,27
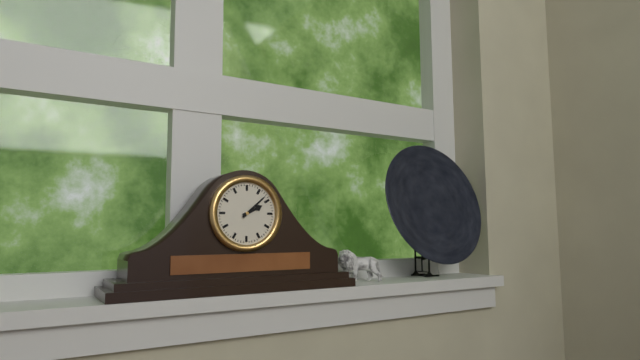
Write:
2,08
